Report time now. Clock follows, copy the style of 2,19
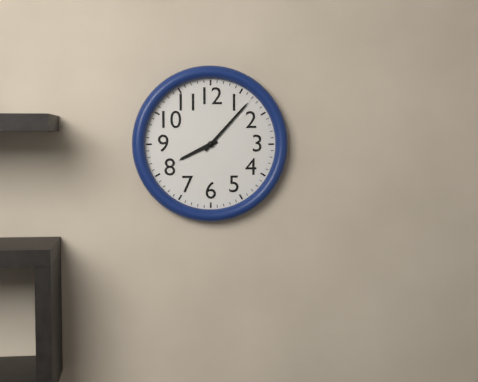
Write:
8,07
